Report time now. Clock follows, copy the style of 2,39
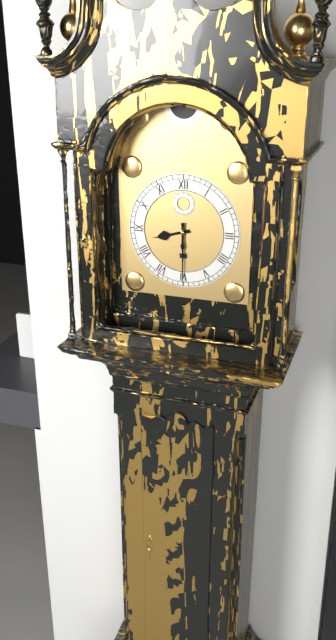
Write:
8,30
